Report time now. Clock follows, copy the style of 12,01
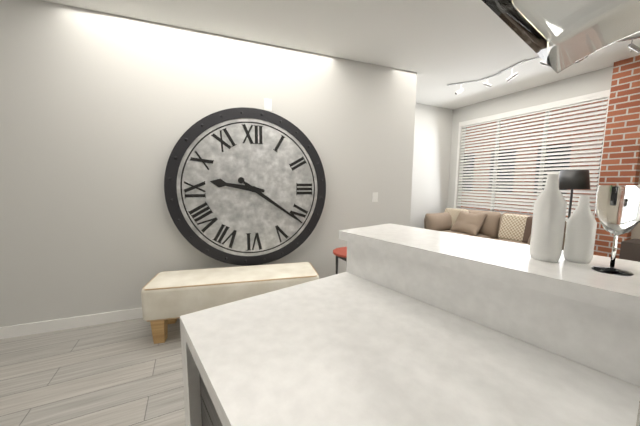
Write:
9,21
